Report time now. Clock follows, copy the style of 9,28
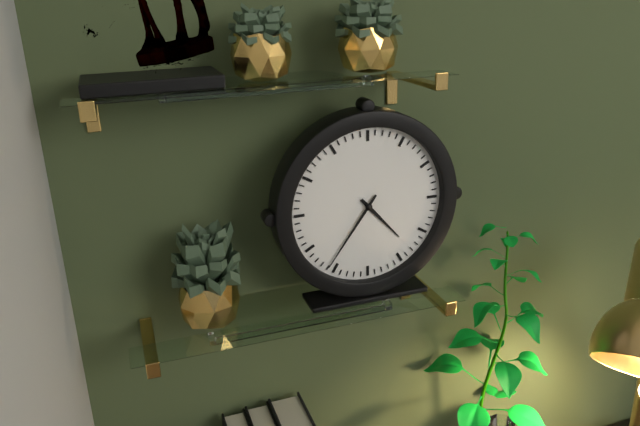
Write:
4,36
